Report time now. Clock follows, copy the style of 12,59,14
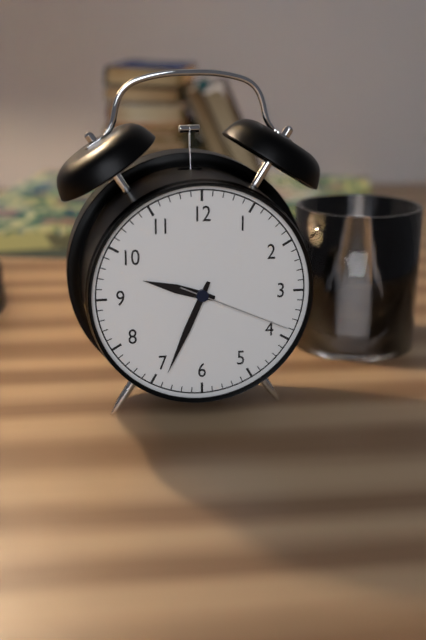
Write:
9,34,19
